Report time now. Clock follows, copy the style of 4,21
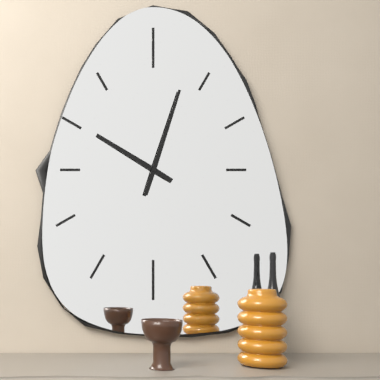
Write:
10,03
